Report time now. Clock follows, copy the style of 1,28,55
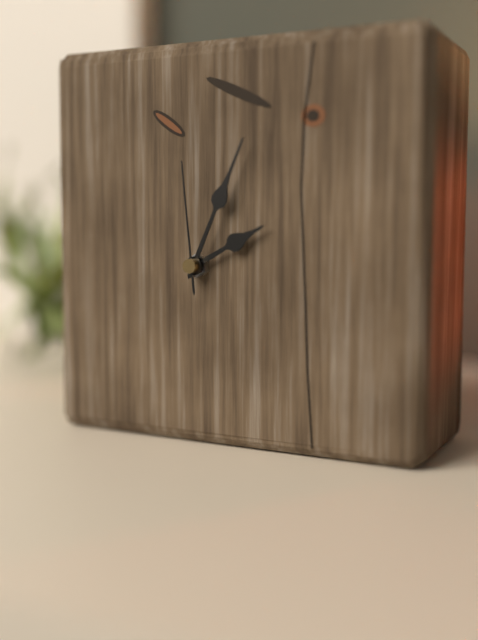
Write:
2,04,59
